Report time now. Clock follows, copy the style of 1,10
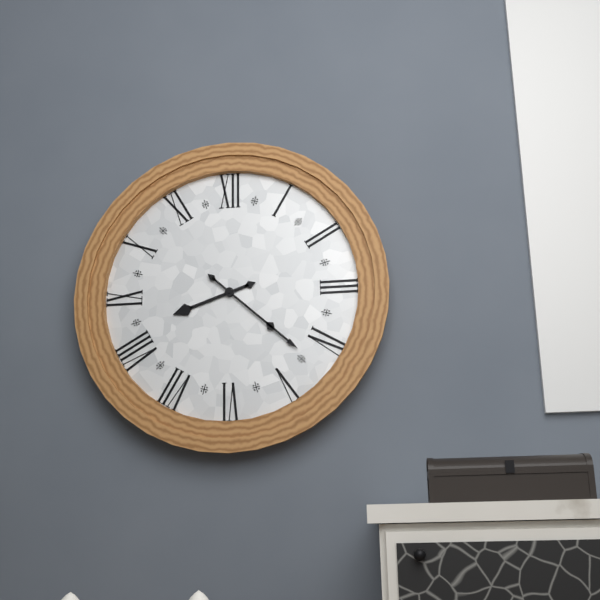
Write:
8,22
